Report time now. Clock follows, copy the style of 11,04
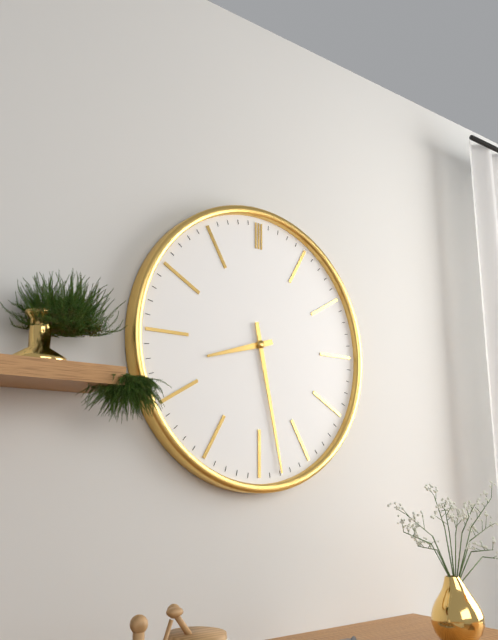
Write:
8,28
